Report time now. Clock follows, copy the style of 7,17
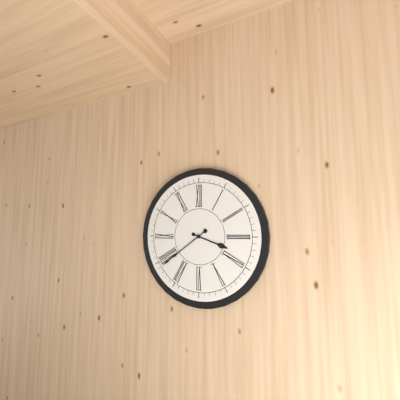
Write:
3,39
